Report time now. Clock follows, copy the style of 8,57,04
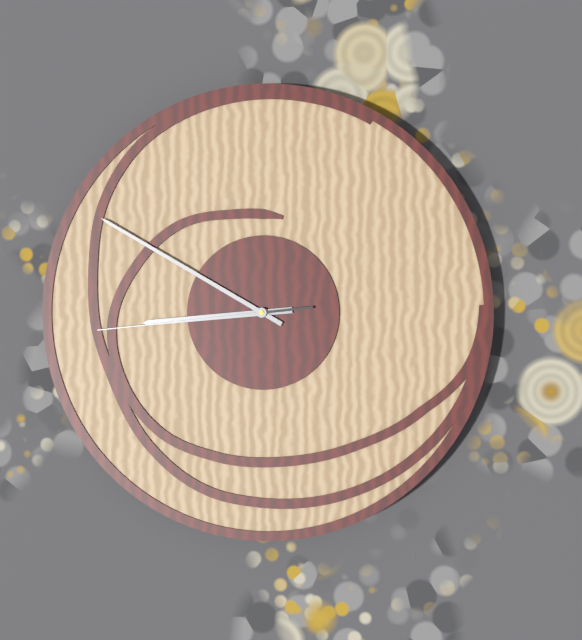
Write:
8,50,44
